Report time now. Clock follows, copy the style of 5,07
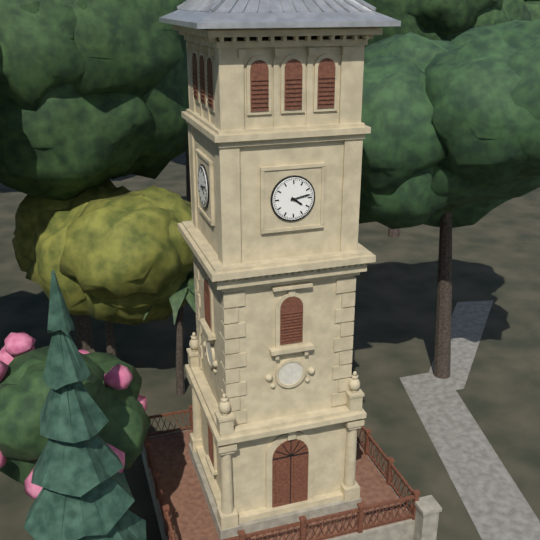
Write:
4,13
